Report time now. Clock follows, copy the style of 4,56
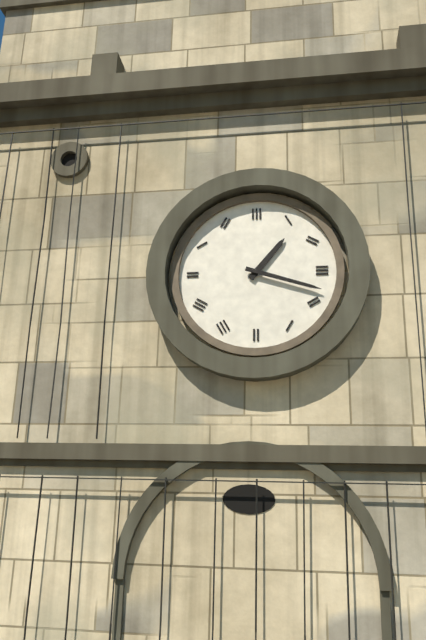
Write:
1,18
